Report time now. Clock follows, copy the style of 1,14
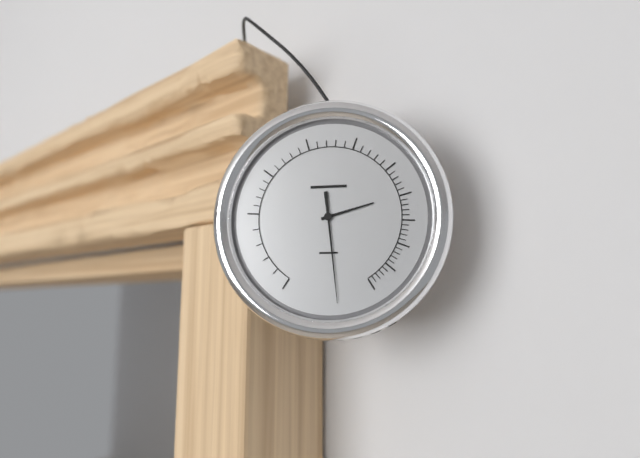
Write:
2,29
